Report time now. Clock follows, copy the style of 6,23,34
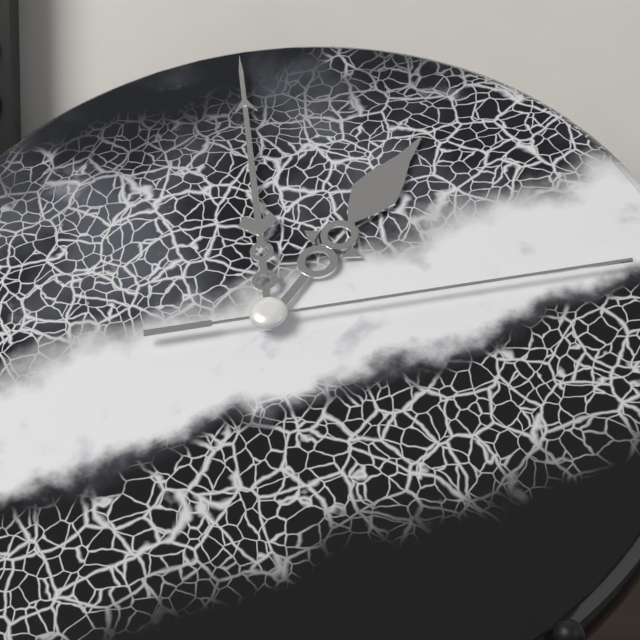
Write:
12,58,13
